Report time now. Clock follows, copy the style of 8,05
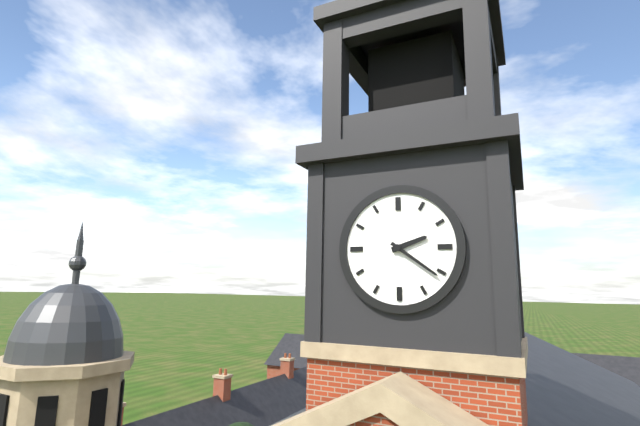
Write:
2,21
